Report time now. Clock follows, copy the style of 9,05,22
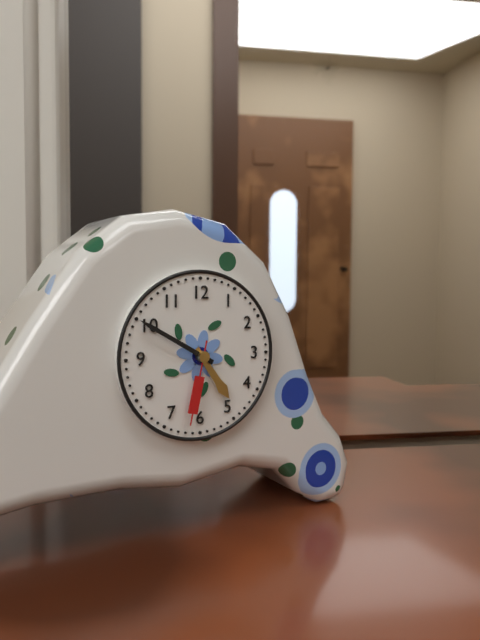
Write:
4,50,32
